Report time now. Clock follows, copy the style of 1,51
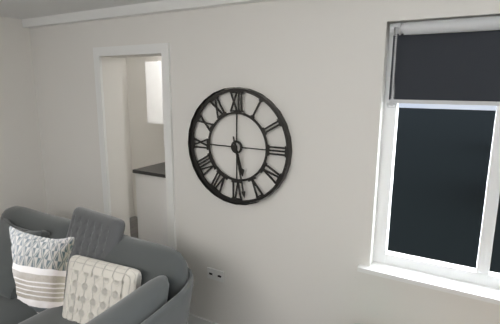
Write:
5,28
